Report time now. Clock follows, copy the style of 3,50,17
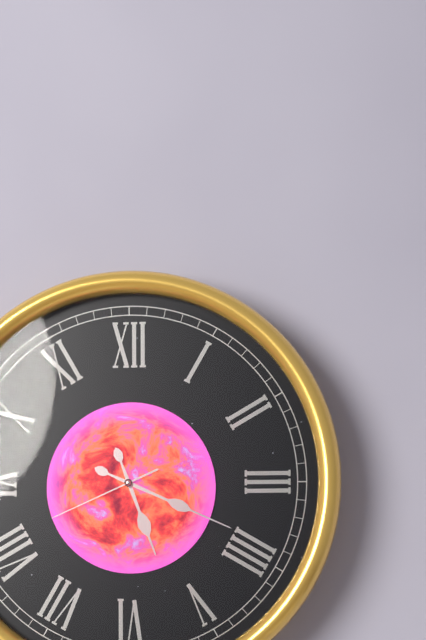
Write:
5,19,41
